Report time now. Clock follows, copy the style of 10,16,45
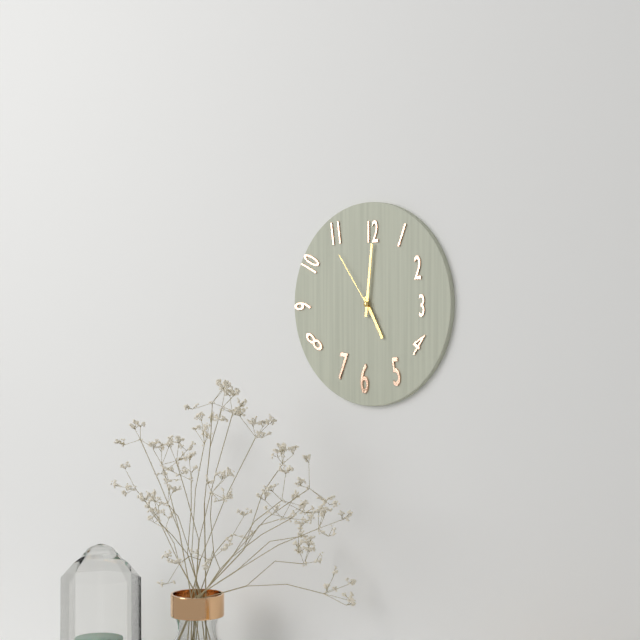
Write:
5,01,54
